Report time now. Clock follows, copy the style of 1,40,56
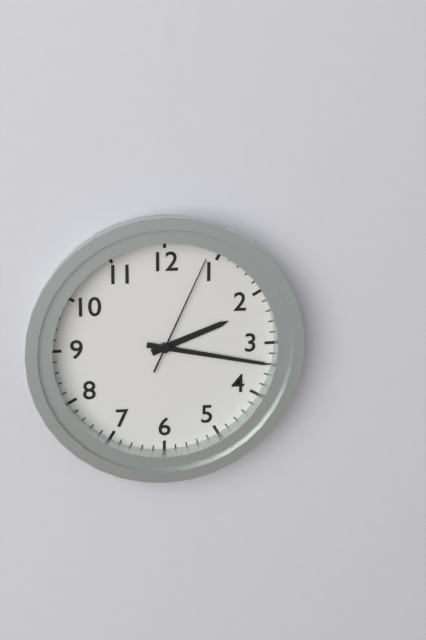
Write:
2,17,04
